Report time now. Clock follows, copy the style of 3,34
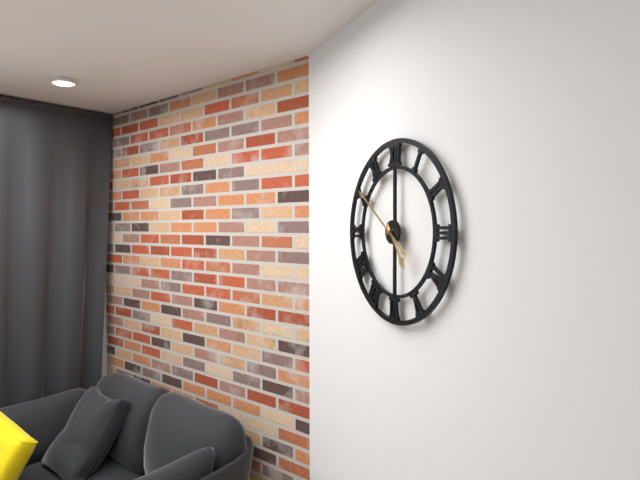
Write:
4,51
